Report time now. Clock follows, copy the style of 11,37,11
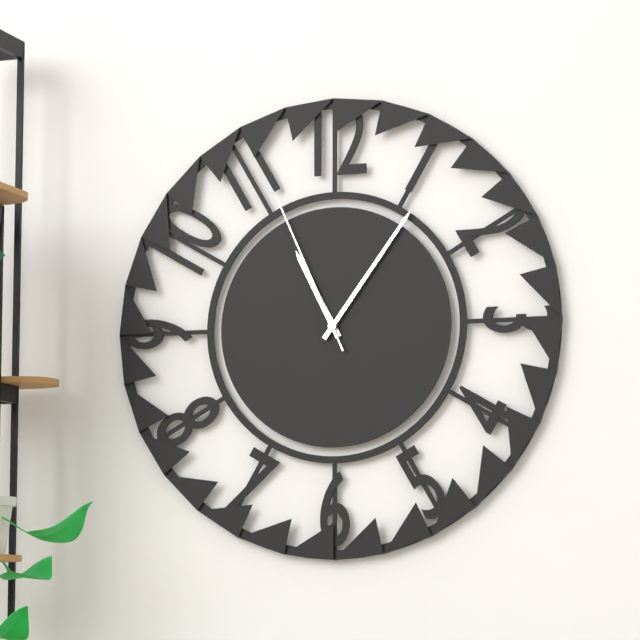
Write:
11,06,56
